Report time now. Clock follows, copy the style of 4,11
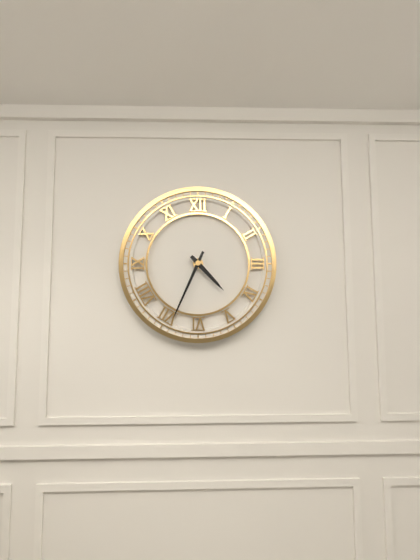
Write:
4,34
